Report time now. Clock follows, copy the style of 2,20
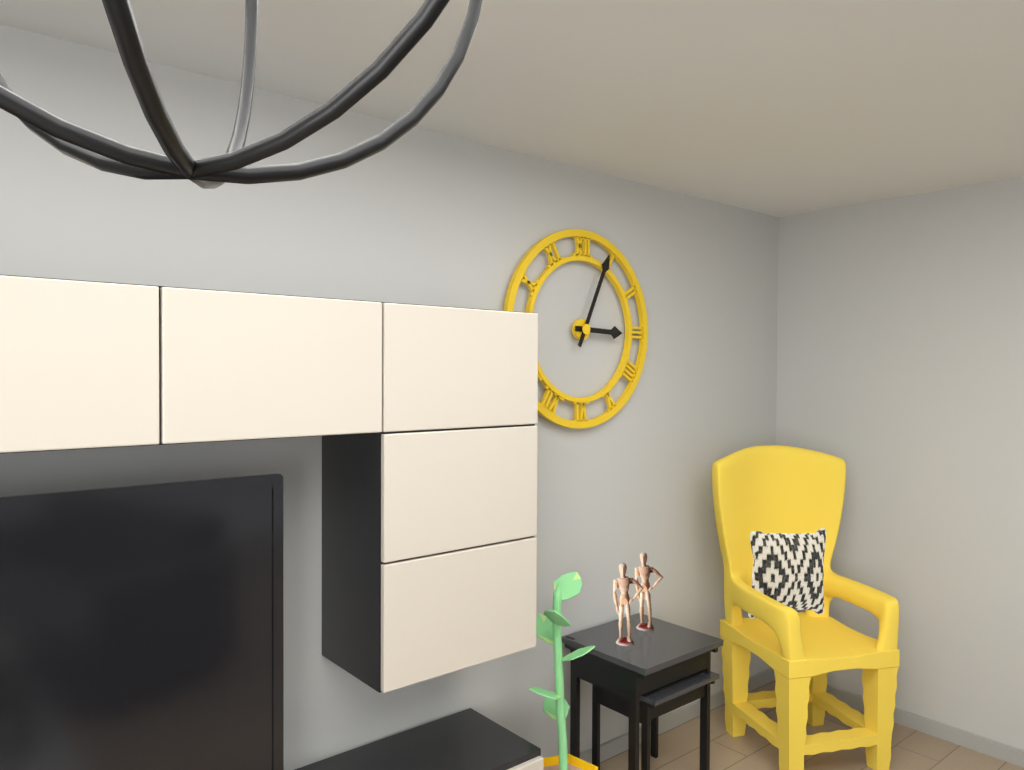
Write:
3,04
